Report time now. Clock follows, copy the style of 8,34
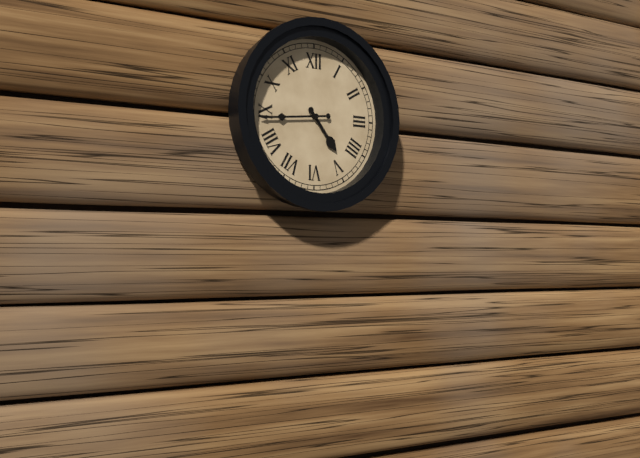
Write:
4,44
